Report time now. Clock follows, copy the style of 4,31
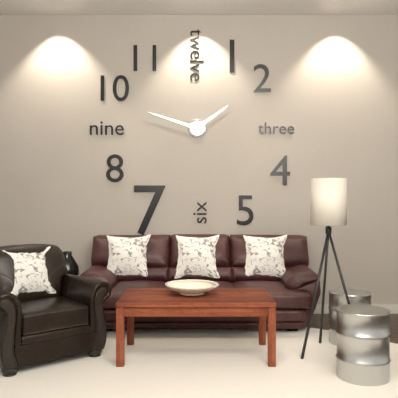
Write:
1,48
